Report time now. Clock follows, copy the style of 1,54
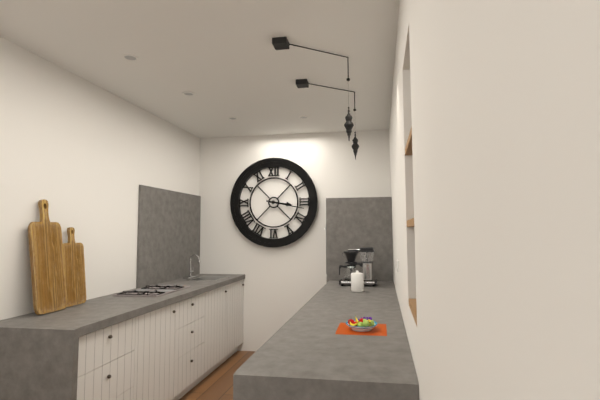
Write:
3,17
